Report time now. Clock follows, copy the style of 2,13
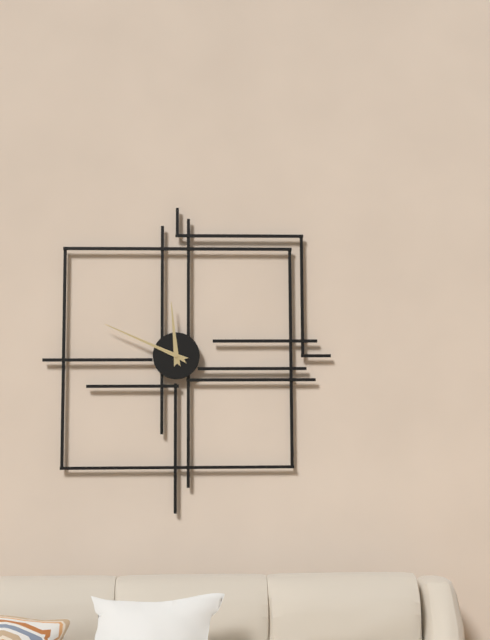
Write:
11,49
